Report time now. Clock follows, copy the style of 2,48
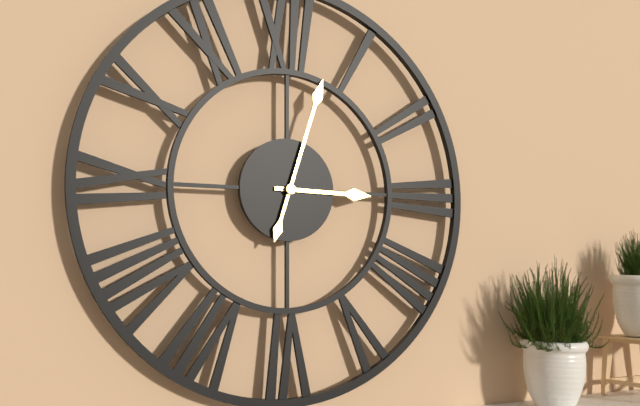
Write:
3,03
